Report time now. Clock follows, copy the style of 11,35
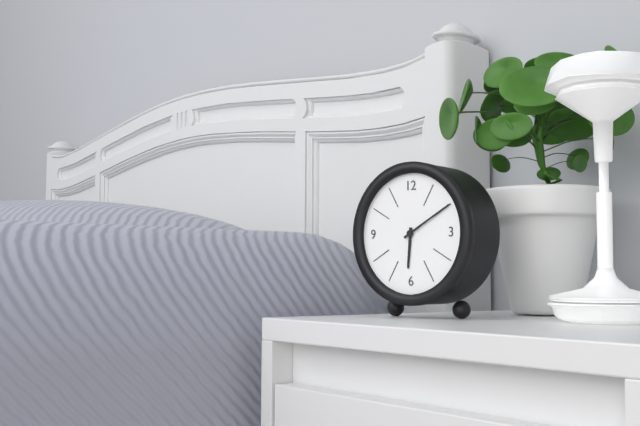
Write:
6,10
